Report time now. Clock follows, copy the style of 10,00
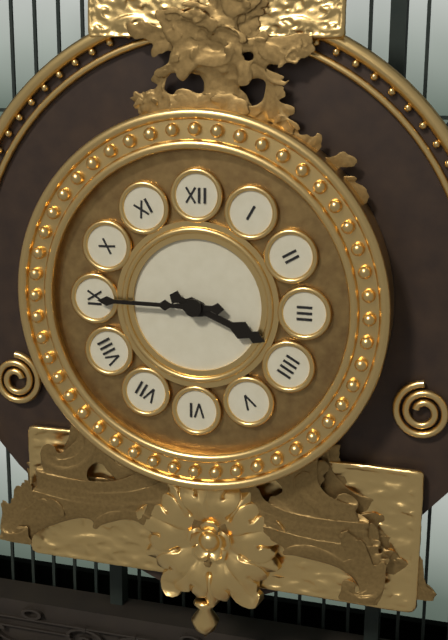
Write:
3,45
